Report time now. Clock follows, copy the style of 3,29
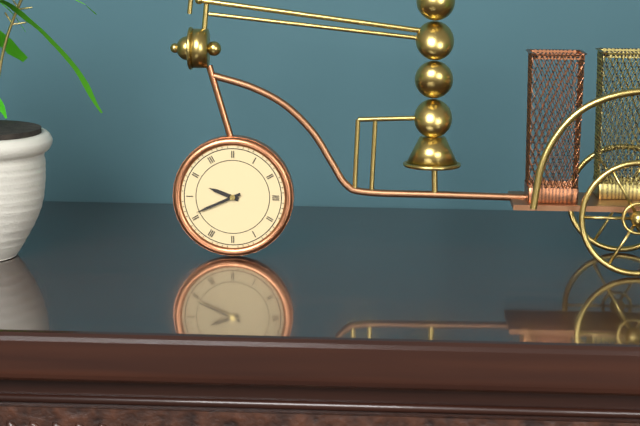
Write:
9,41
